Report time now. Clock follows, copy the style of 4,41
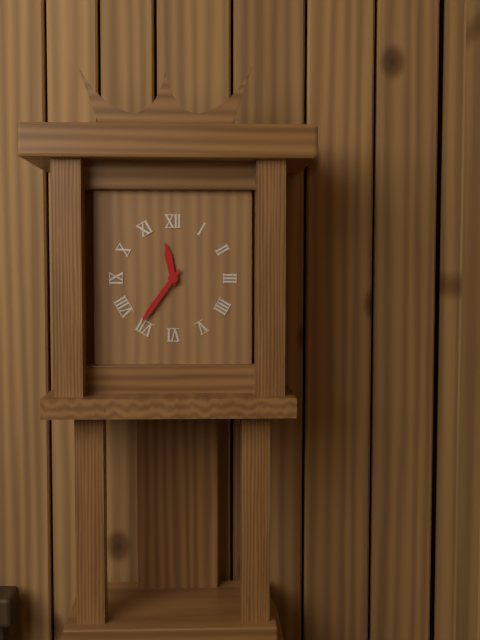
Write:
11,36
